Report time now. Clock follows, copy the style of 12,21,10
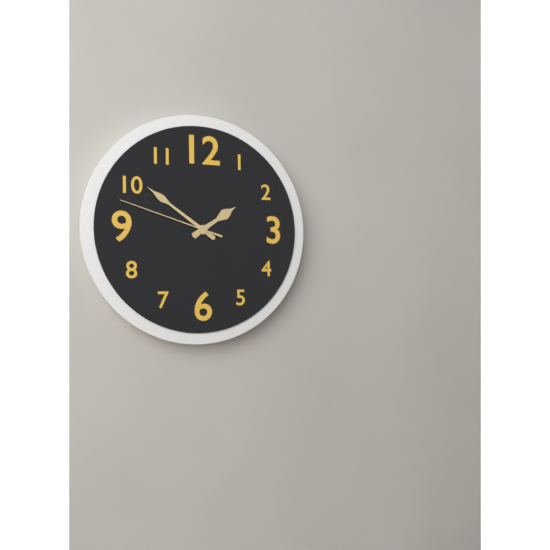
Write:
1,51,48
